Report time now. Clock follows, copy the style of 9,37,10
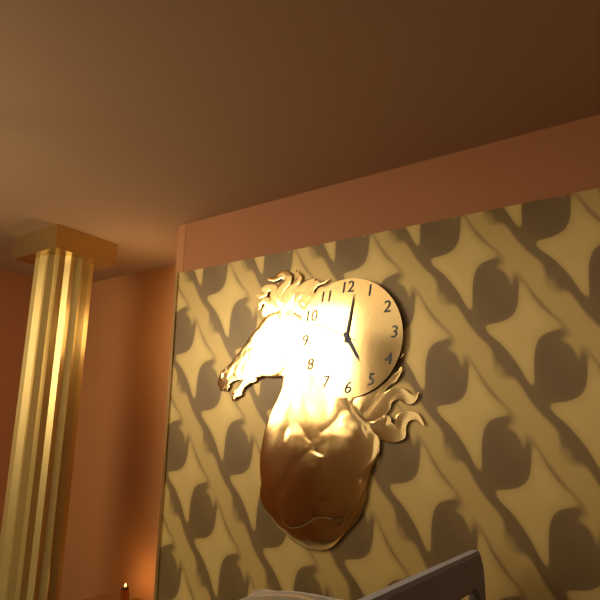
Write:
5,02,49
